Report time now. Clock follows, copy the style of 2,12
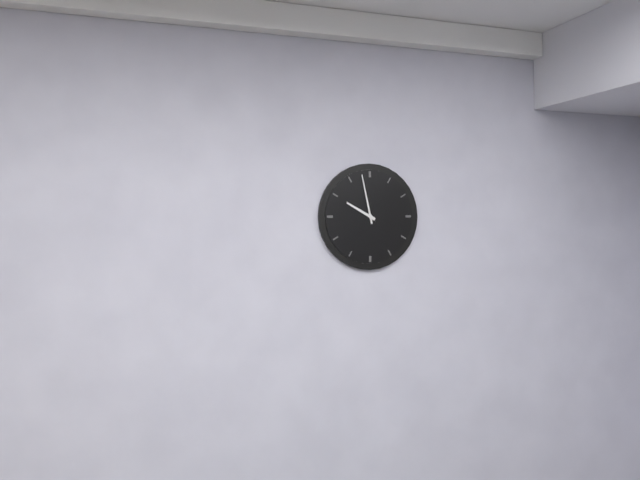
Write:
9,58
